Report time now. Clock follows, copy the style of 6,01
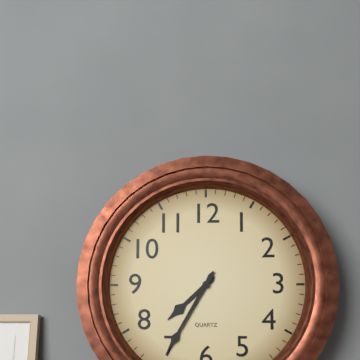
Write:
7,35
